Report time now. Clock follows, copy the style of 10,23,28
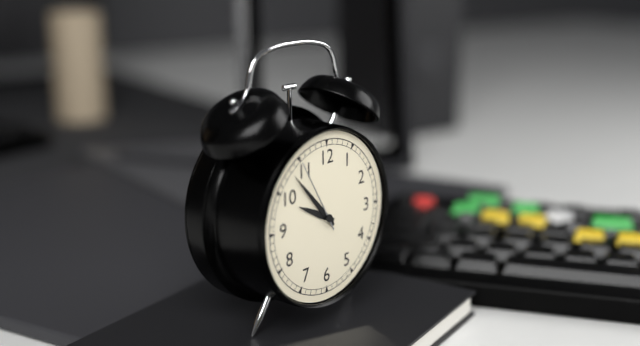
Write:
9,53,55
